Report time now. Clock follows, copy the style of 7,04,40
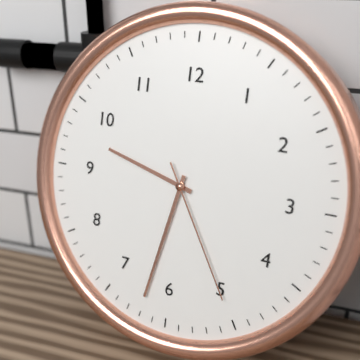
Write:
9,32,25
